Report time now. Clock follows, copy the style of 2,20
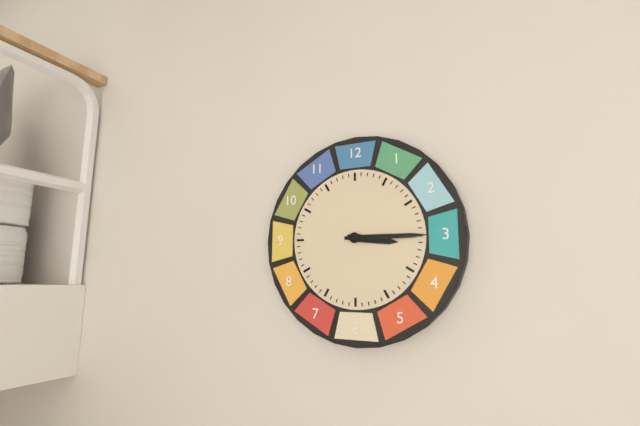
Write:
3,15
